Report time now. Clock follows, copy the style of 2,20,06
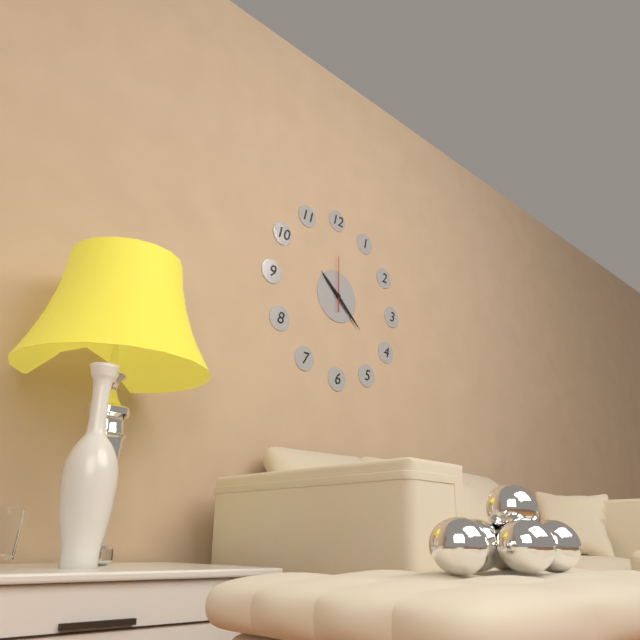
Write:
10,22,00
